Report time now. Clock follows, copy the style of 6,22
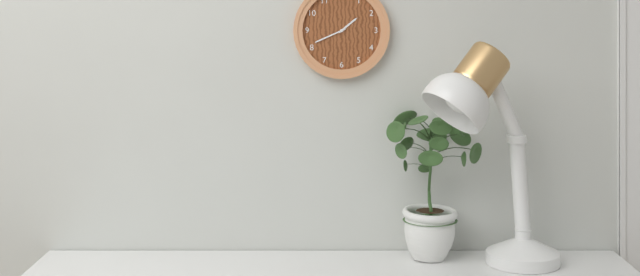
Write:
1,41
